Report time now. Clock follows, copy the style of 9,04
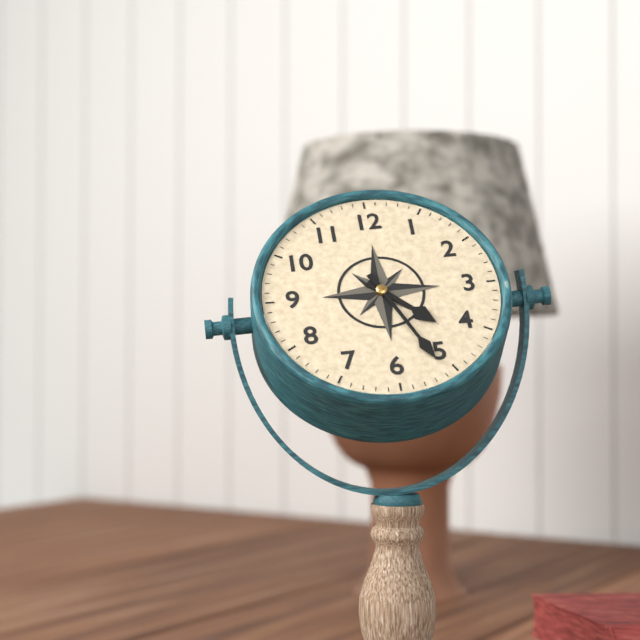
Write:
4,26
